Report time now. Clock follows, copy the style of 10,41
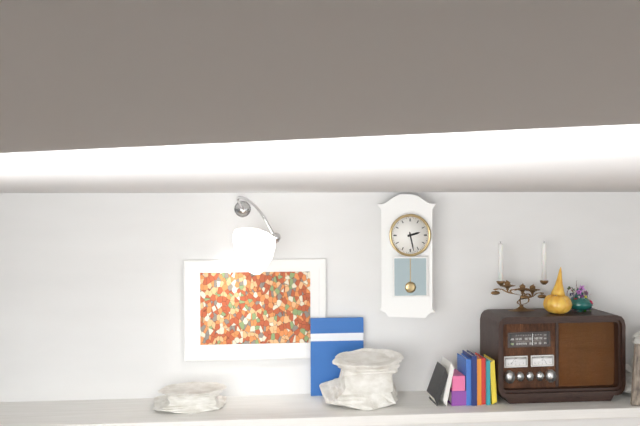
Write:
2,28
